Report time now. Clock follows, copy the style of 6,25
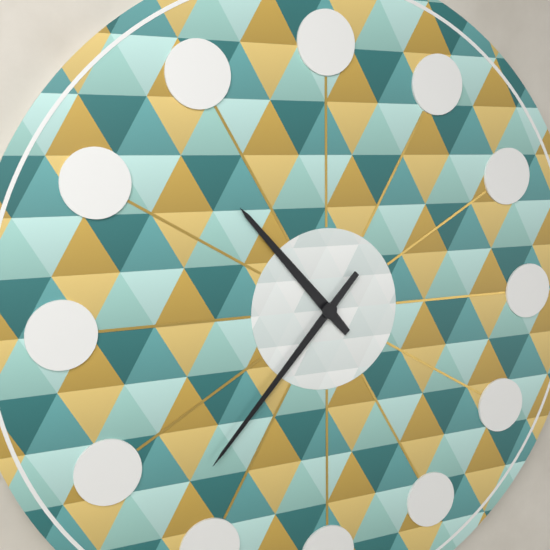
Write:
10,37
